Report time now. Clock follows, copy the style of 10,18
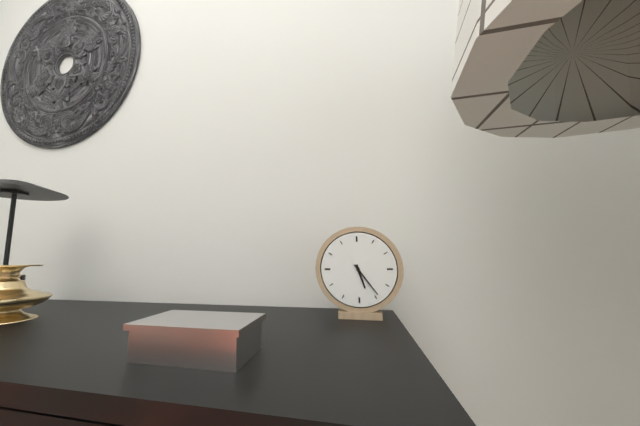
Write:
5,24
